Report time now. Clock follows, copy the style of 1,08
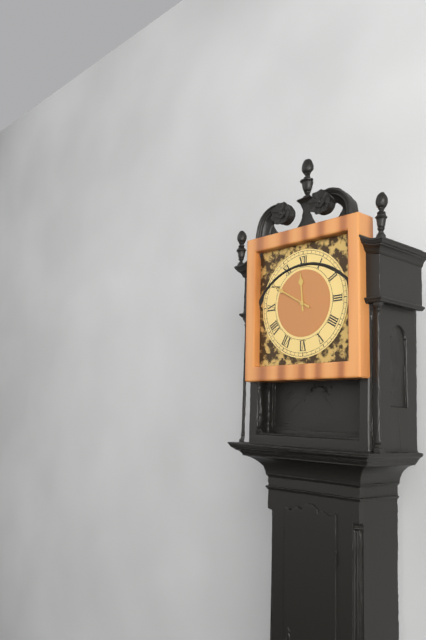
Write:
11,50
